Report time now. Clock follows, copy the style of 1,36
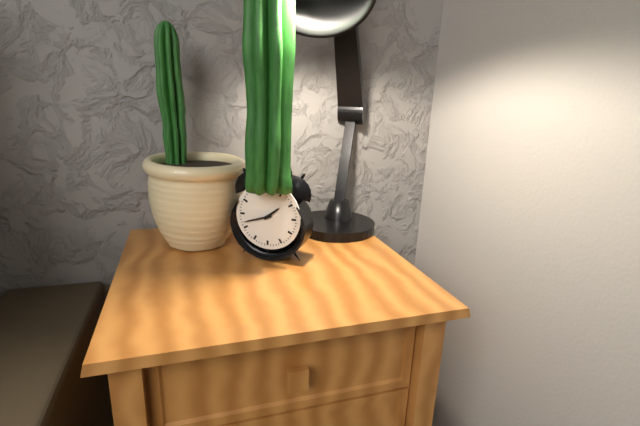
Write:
1,42
